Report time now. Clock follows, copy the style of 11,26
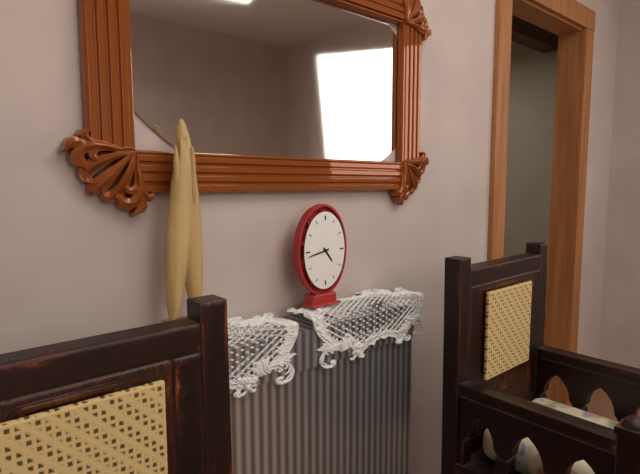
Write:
4,43
